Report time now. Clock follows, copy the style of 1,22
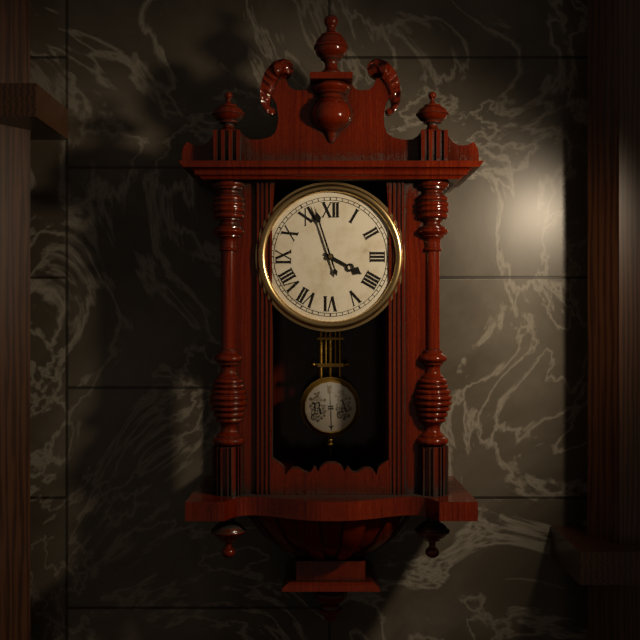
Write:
3,57
